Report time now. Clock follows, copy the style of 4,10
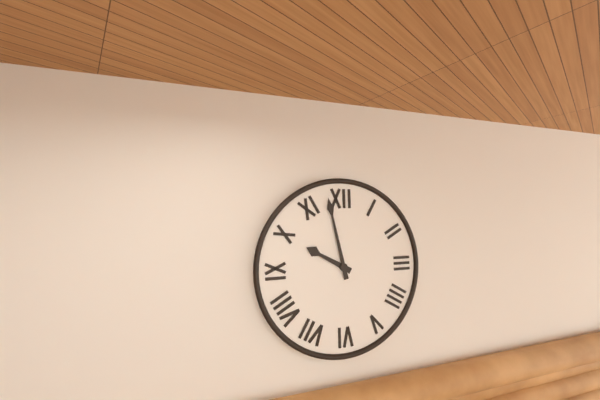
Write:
9,58
